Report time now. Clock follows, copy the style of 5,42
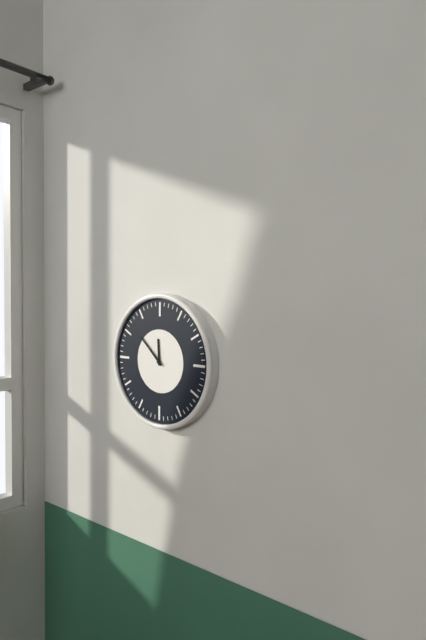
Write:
11,52
